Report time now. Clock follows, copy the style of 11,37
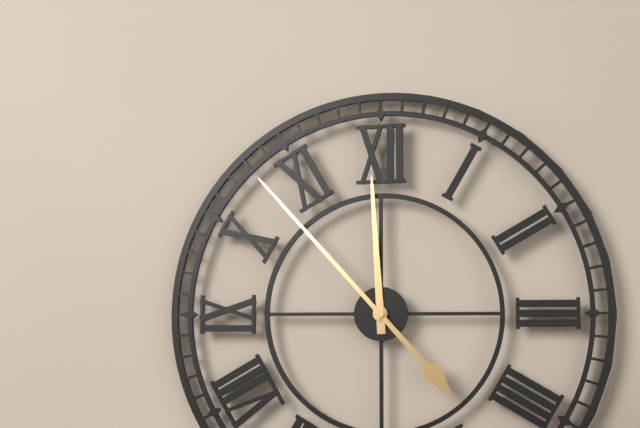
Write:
11,53
